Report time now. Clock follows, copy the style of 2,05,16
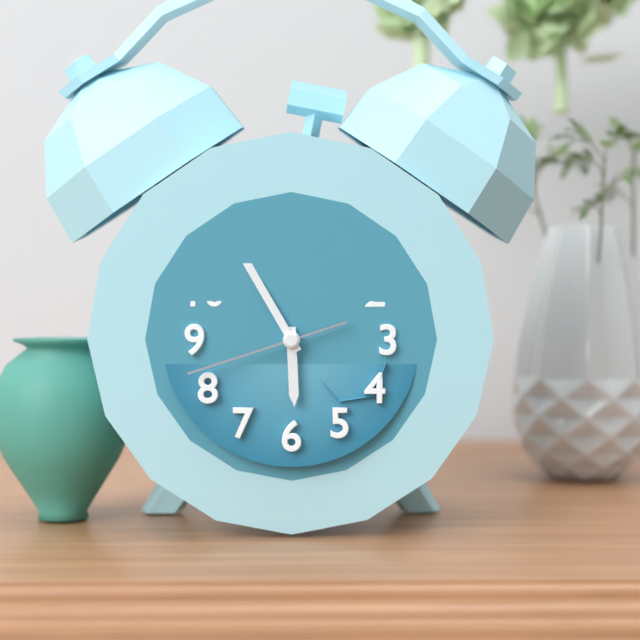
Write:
5,55,42
